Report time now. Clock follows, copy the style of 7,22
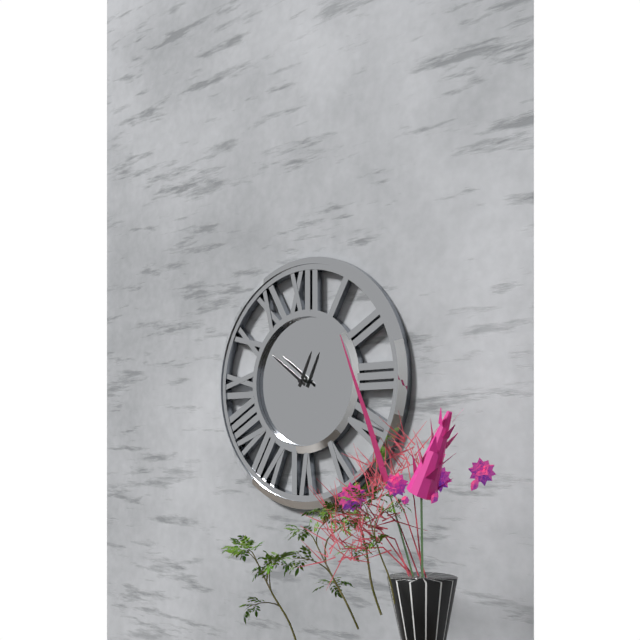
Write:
12,51
